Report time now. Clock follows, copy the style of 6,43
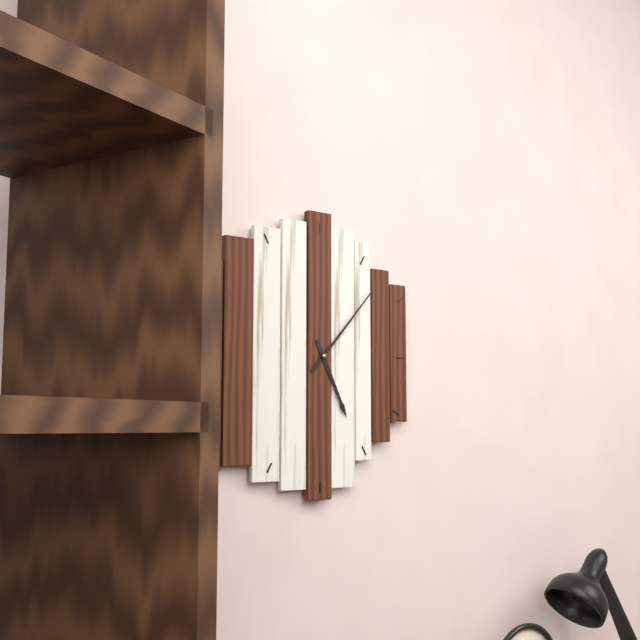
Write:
5,07
